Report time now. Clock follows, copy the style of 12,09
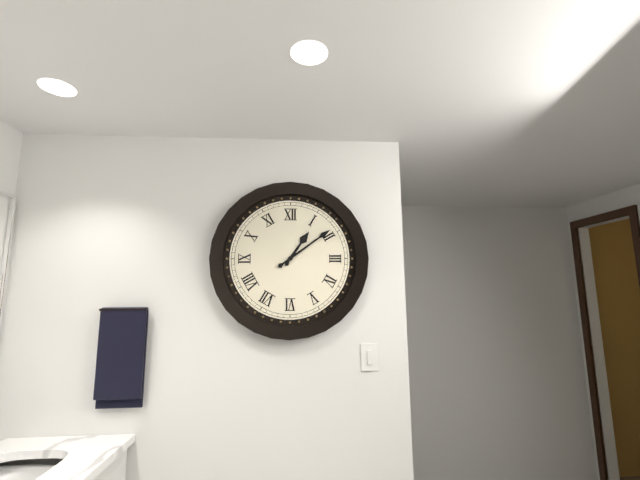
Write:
1,09
